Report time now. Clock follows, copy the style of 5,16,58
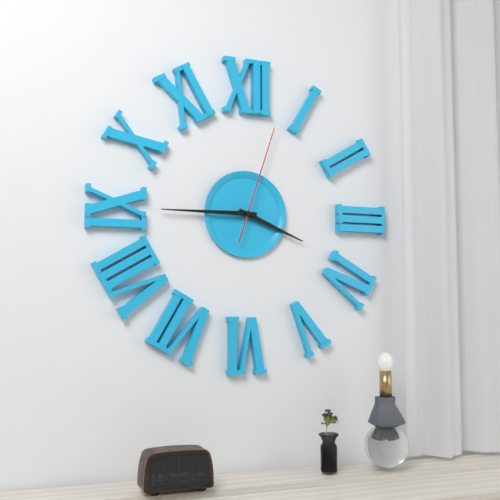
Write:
3,45,03
